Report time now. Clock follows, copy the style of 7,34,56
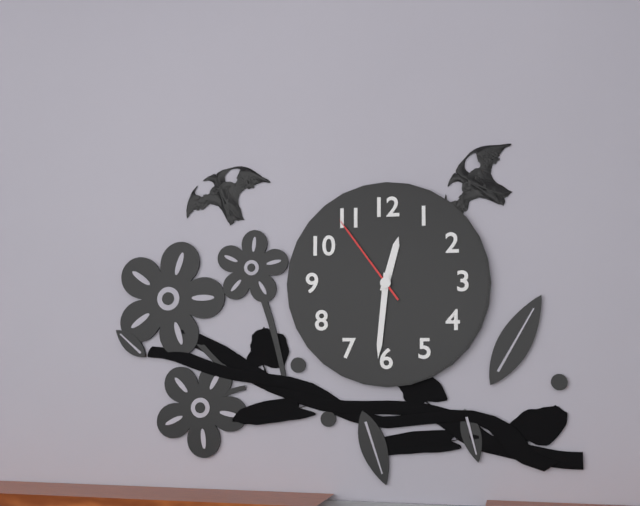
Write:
12,31,54
